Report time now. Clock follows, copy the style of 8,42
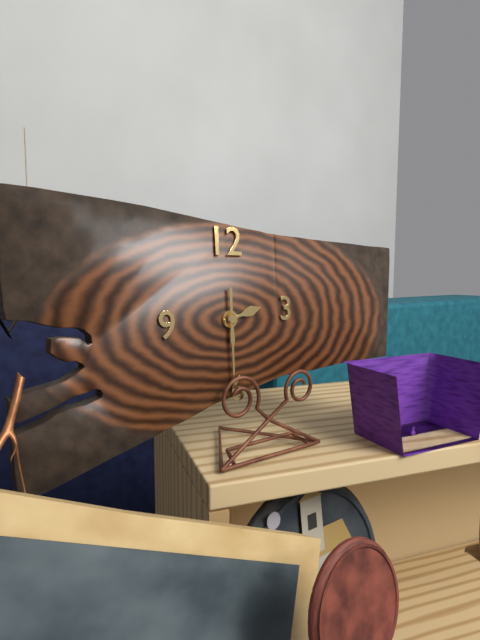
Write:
2,30
